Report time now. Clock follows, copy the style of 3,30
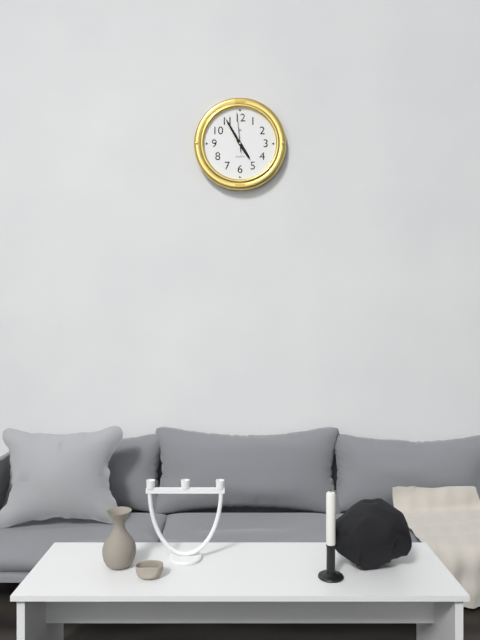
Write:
4,55
